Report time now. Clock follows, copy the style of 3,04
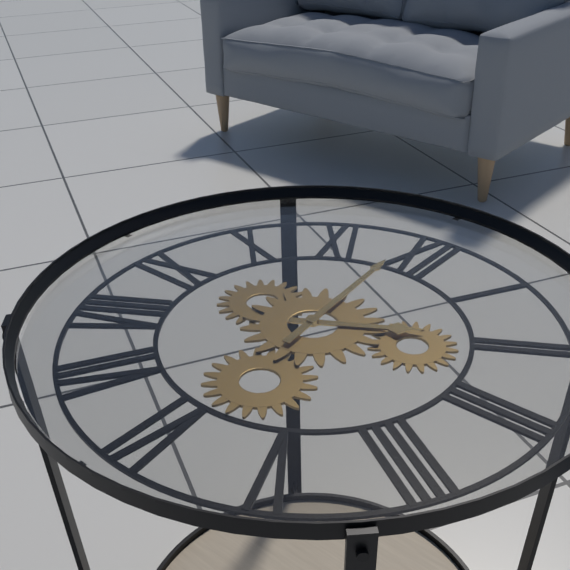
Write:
1,59
